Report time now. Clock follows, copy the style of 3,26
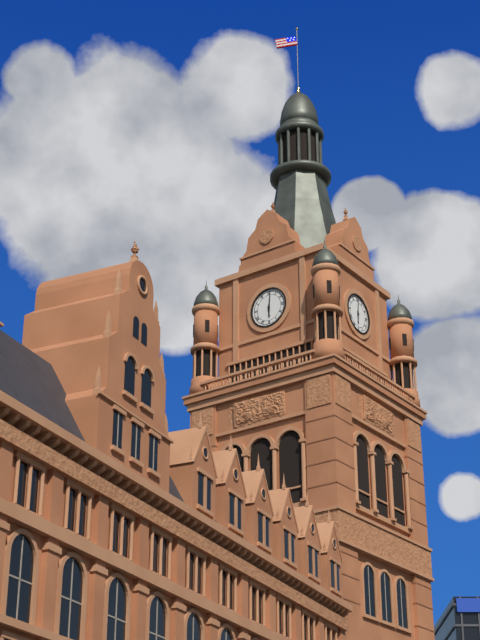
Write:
6,01
